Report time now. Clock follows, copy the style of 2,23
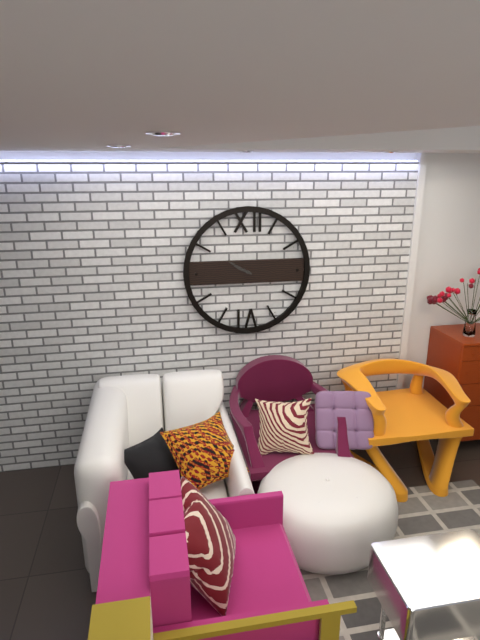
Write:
9,50
